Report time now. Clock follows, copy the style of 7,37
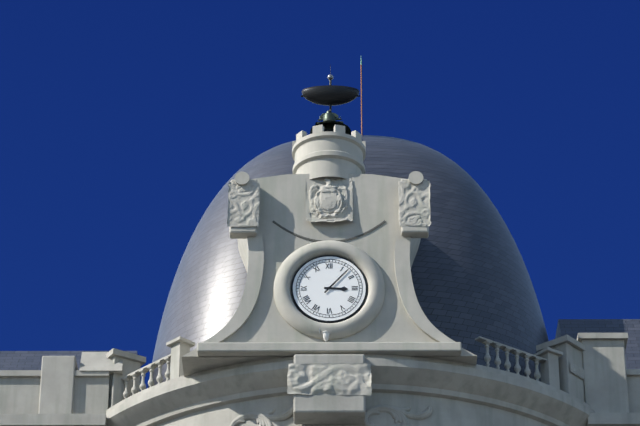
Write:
3,07
